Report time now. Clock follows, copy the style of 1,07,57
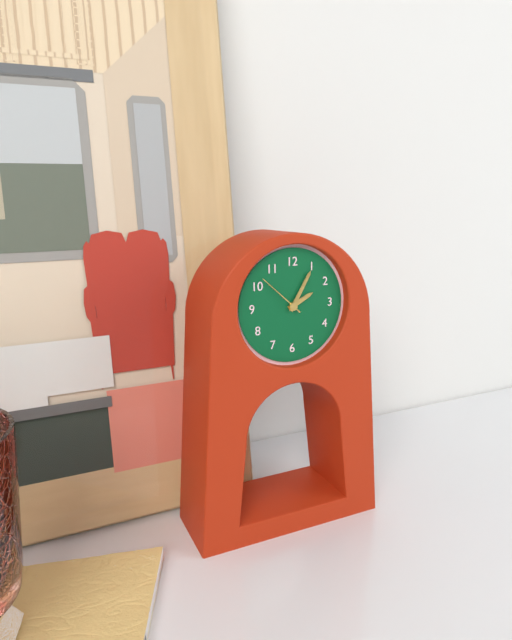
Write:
2,05,52
